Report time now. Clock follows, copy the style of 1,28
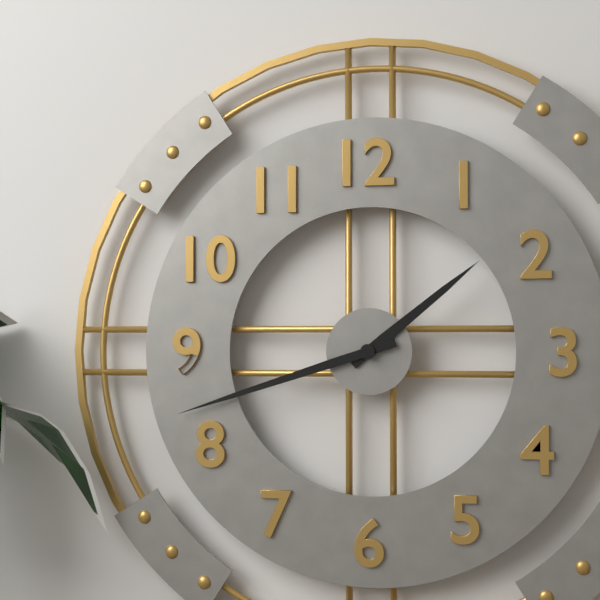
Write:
1,42
